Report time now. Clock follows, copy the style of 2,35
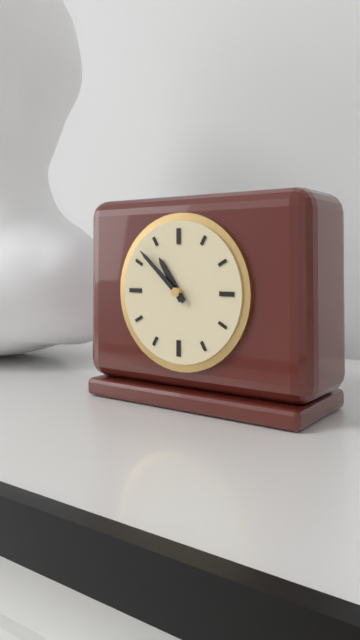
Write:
10,52
